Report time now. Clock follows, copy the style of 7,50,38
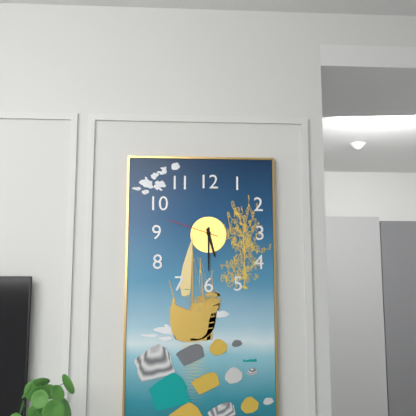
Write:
5,30,48
